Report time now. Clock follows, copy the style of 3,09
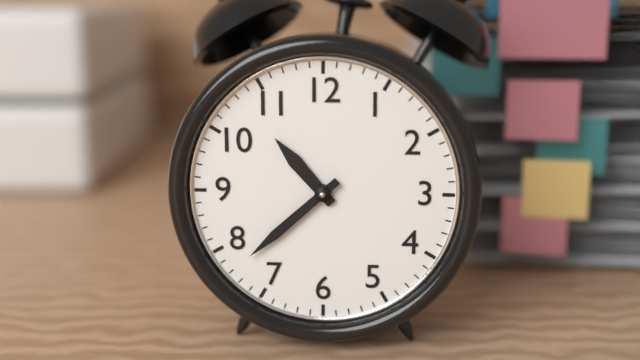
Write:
10,38
